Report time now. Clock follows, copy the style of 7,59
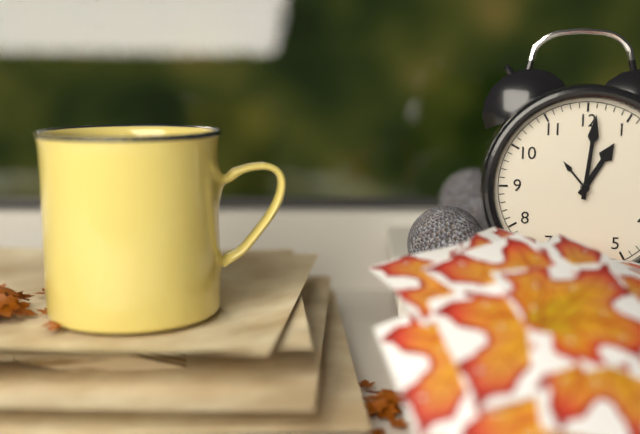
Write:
1,01
